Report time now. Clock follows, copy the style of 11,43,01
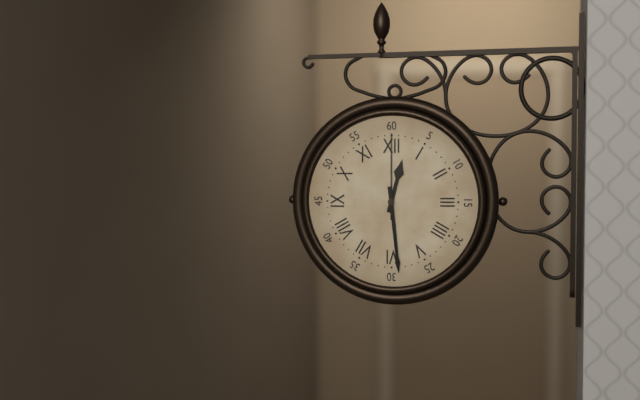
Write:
12,29,00
